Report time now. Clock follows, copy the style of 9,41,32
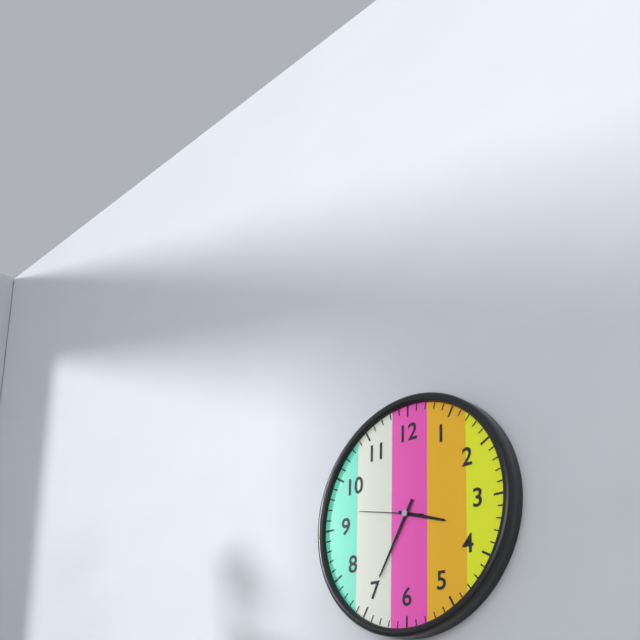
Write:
3,35,47
